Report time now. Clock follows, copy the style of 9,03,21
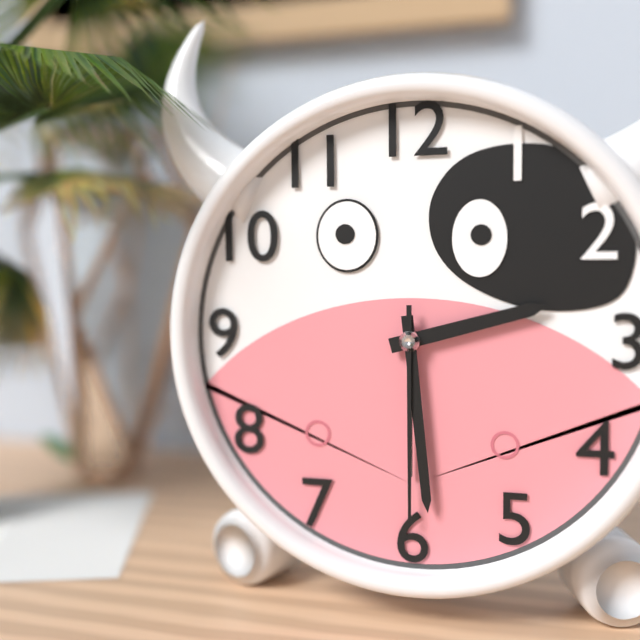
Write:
2,29,30
